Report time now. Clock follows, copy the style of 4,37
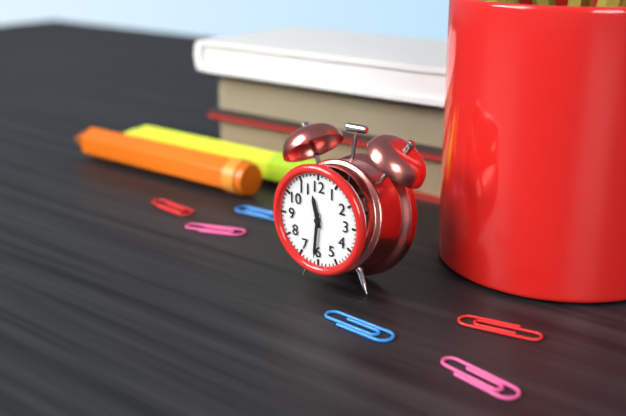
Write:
11,31
